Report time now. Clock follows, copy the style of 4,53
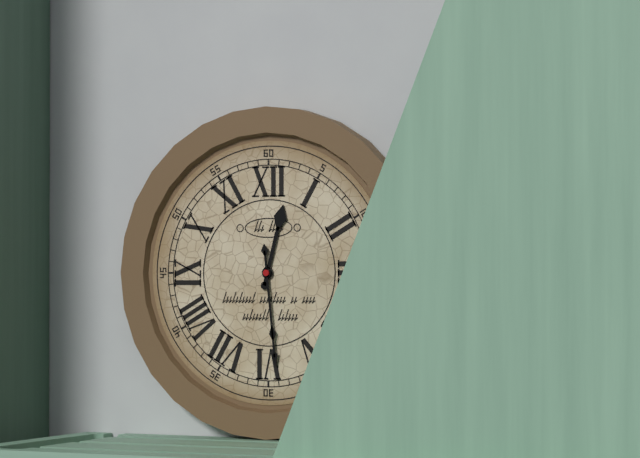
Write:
12,29
